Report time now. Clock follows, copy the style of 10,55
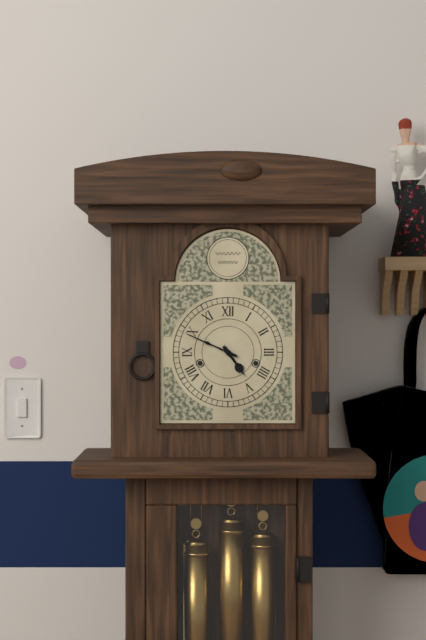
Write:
4,49
